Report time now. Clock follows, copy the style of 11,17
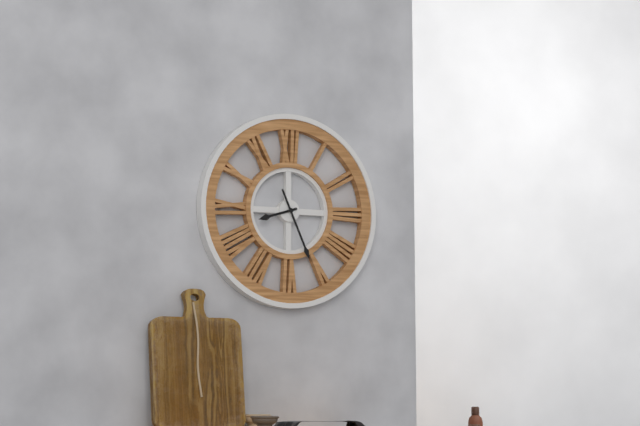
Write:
8,26
